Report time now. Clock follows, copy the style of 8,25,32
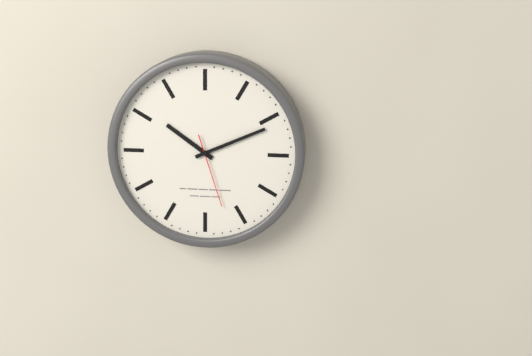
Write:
10,11,27
